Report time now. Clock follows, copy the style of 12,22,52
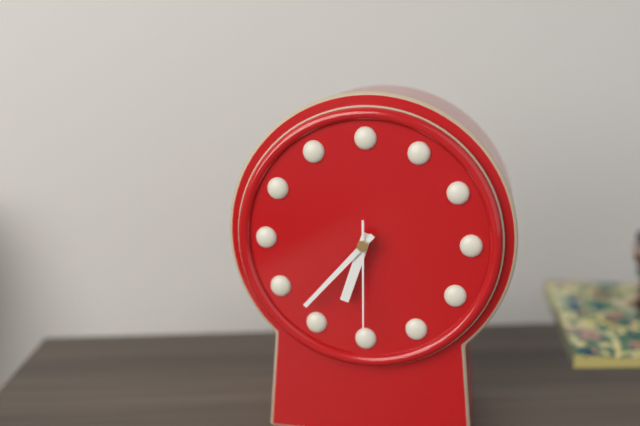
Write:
6,37,30
